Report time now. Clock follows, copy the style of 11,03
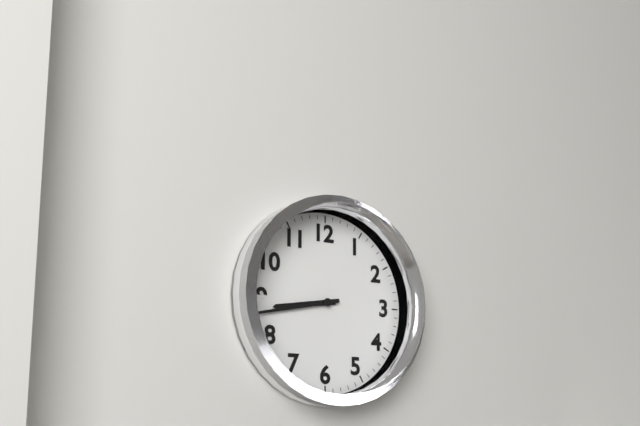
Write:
8,43
